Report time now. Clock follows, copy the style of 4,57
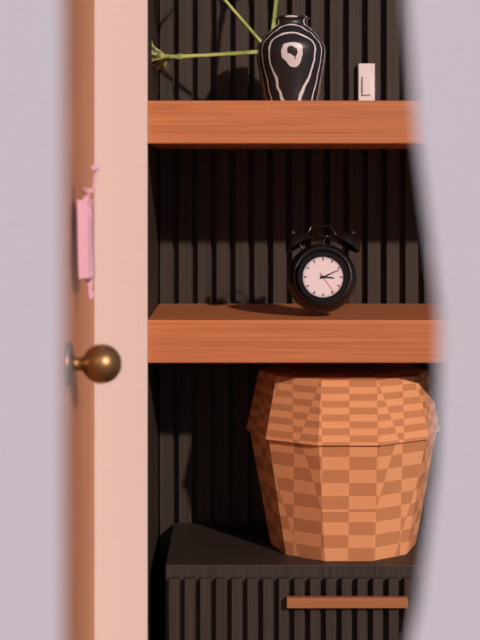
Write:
3,11
